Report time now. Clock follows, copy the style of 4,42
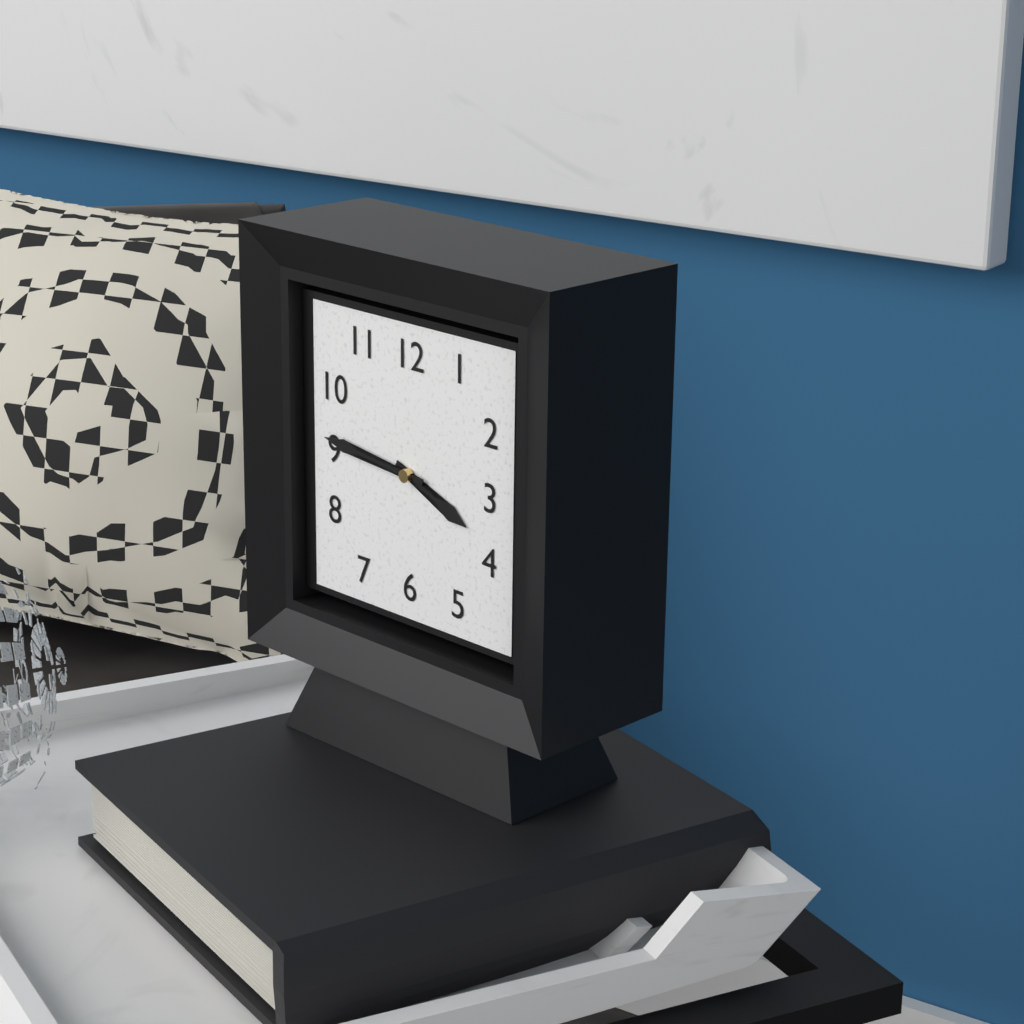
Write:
3,46
